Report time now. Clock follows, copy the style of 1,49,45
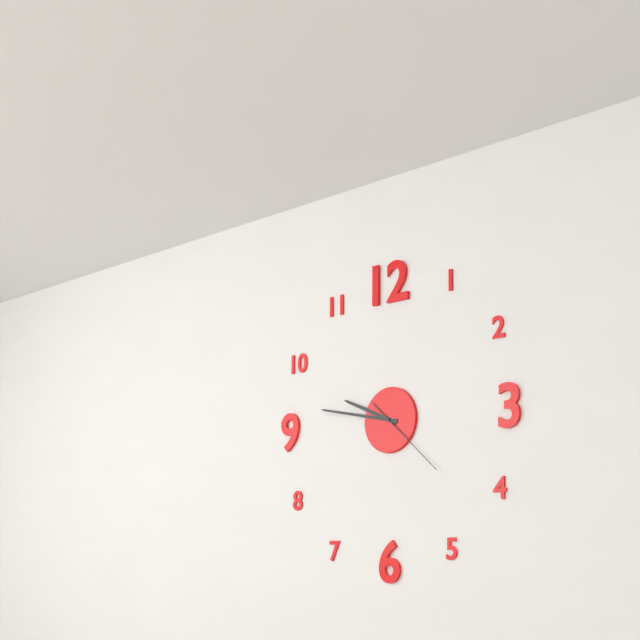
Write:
9,47,22
